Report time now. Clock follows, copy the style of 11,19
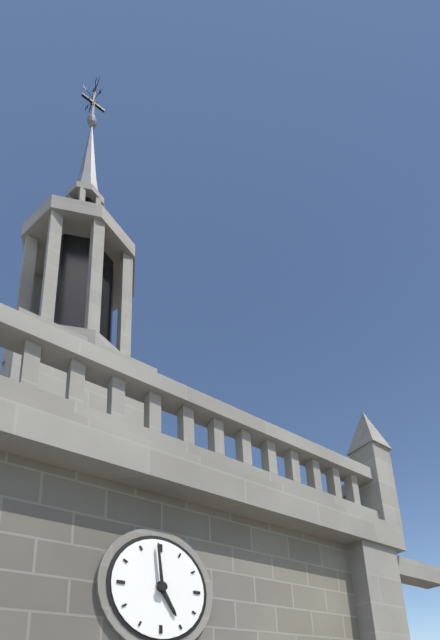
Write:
4,59
